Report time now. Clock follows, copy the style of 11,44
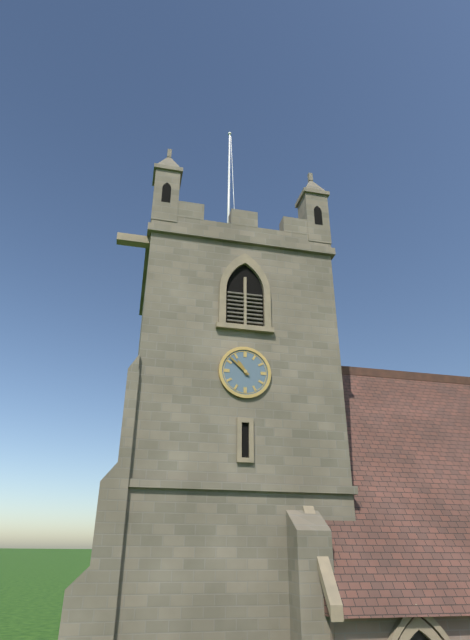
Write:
10,52
